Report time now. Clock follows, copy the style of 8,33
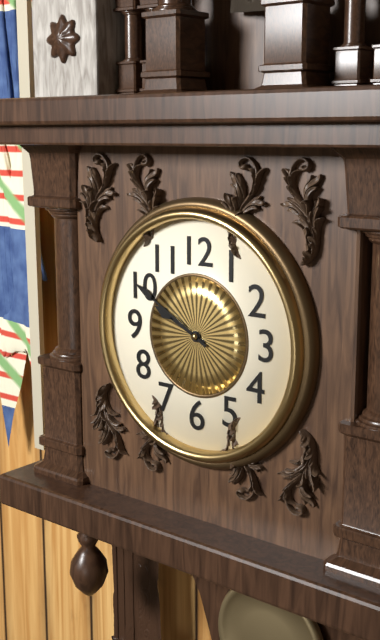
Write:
9,50
